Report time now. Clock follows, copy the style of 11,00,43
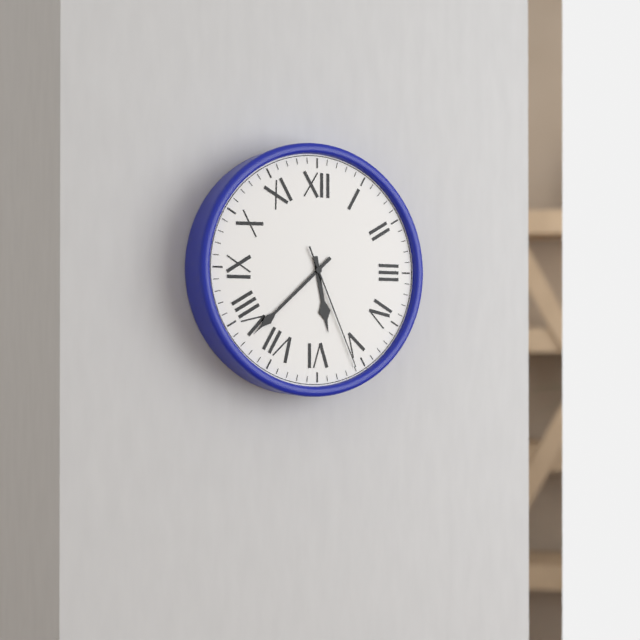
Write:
5,38,26
